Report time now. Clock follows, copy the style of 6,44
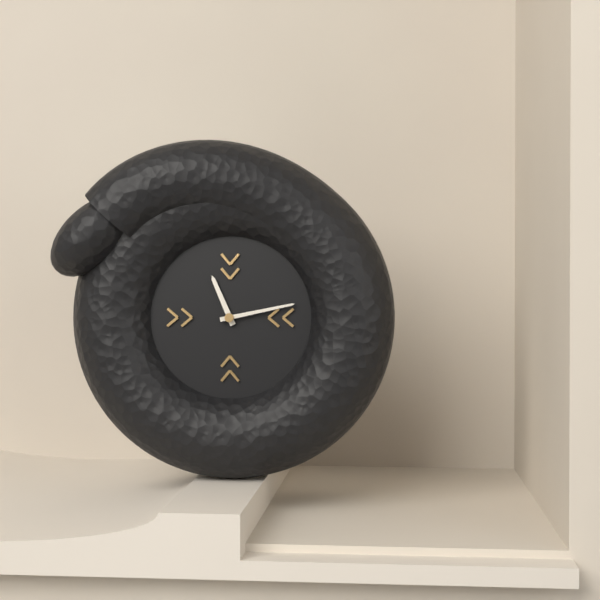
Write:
11,13
